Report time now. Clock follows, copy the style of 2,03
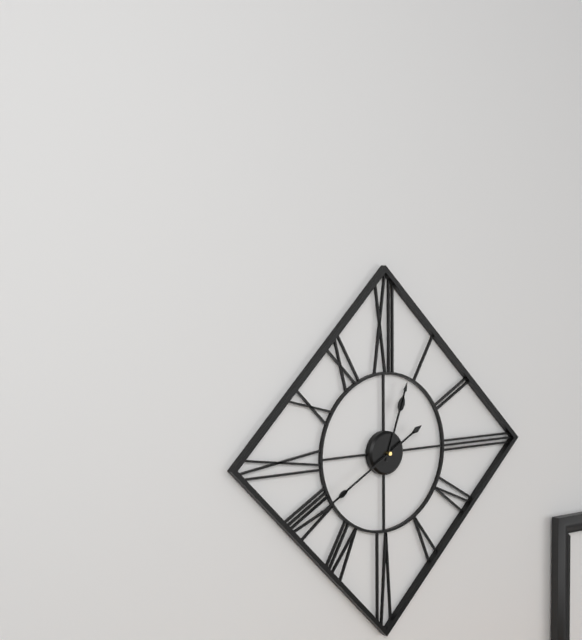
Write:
12,40
